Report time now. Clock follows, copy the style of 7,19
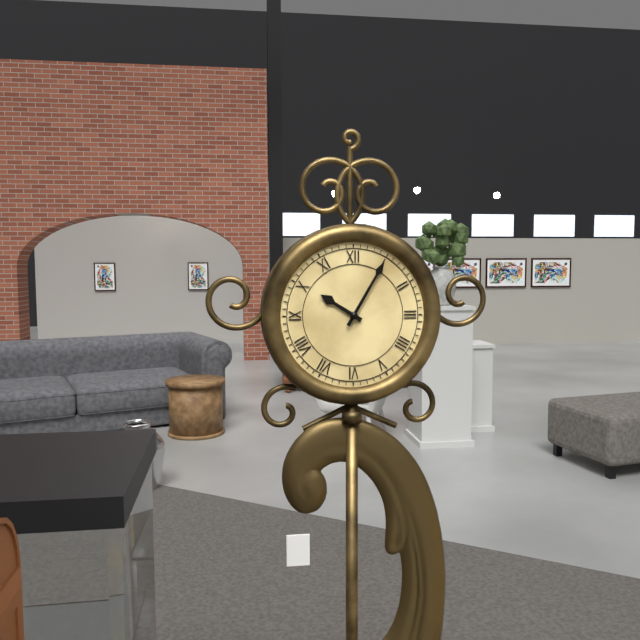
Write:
10,05
